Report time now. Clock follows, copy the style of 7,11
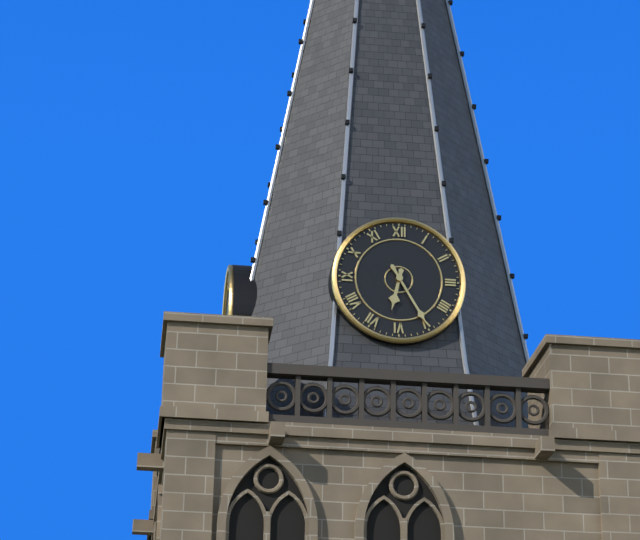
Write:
6,25
